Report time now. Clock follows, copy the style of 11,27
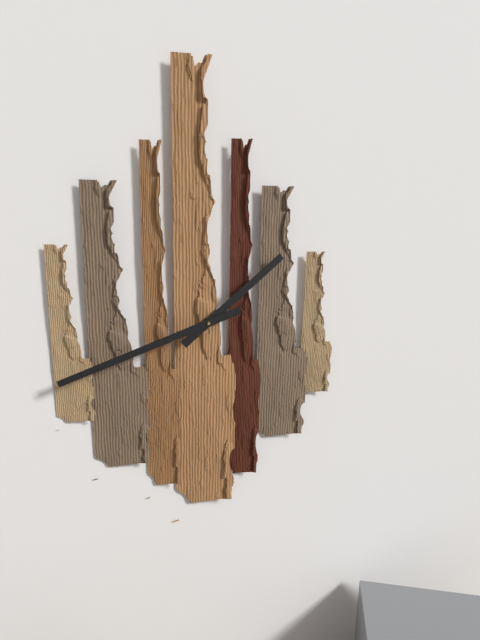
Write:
1,42
